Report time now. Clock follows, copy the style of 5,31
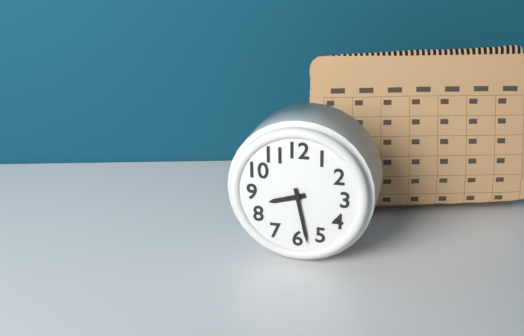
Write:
8,28
